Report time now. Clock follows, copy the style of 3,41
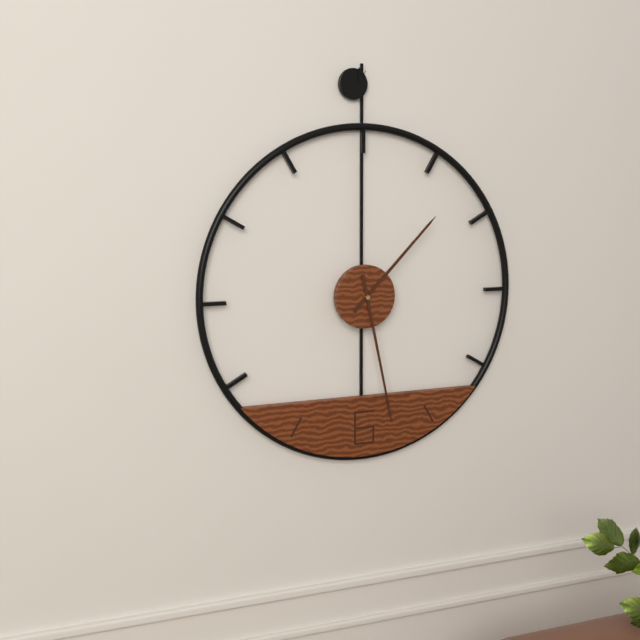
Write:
1,28
